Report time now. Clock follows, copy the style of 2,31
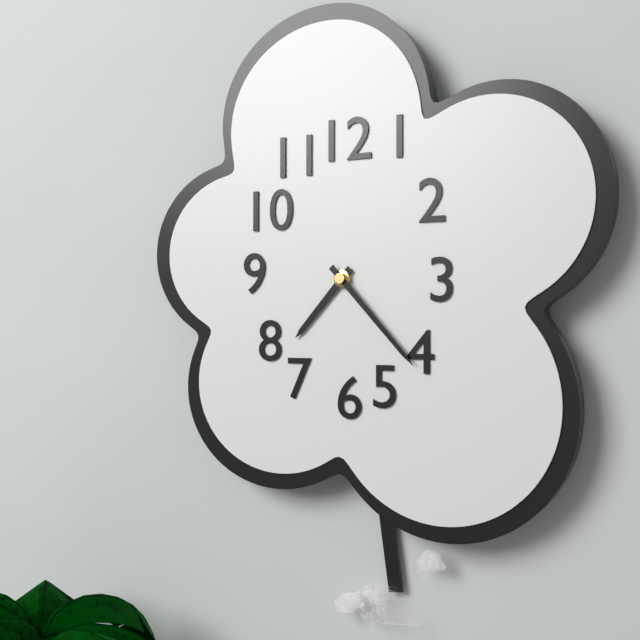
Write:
7,23
